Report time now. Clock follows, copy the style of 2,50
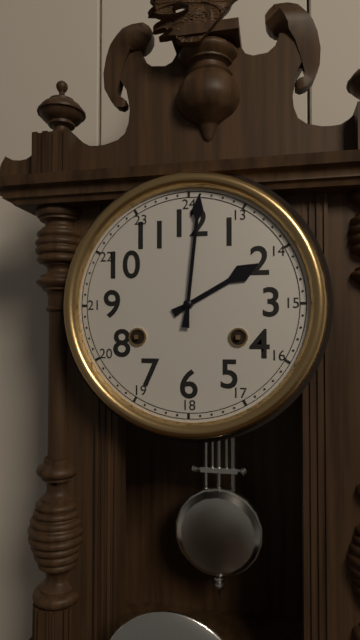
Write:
2,01
